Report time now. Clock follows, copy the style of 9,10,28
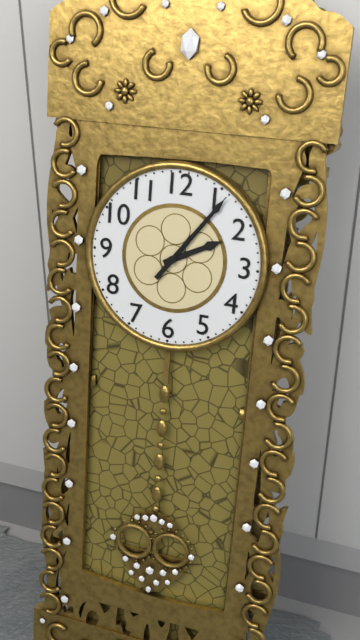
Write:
2,06,06
